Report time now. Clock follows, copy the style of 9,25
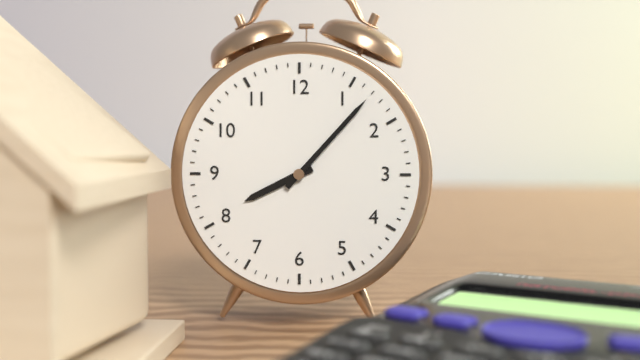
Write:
8,07
